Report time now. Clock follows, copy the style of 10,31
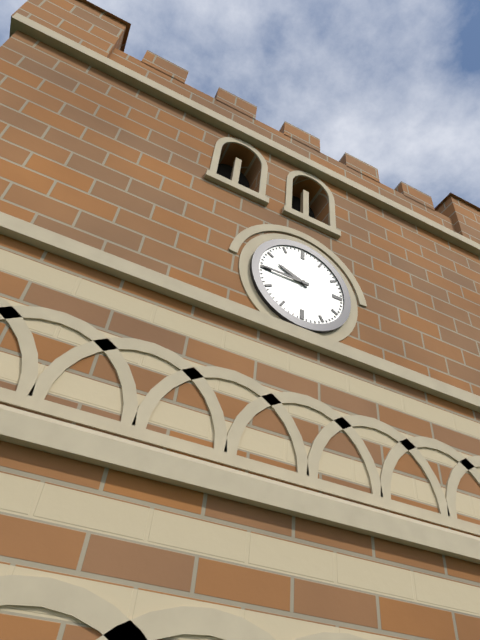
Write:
9,45
